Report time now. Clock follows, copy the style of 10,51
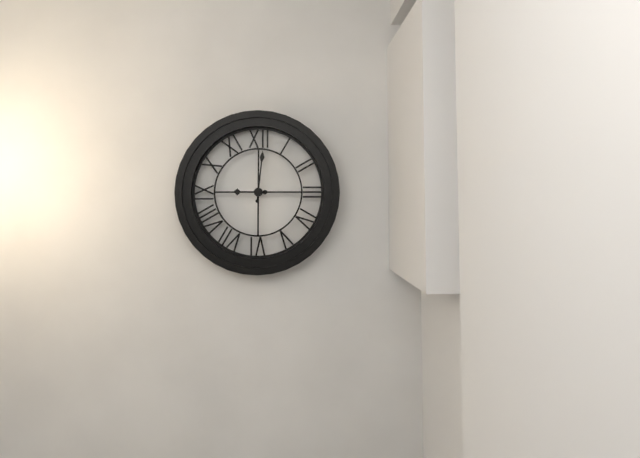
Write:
9,01
